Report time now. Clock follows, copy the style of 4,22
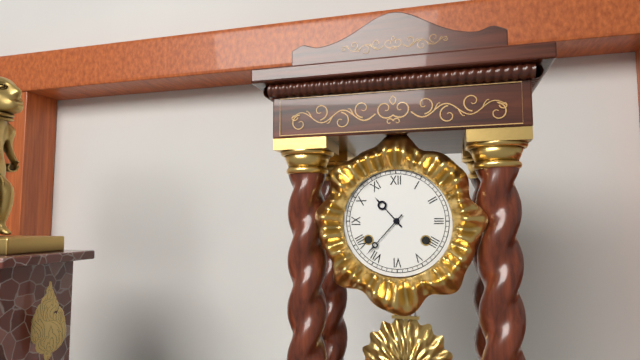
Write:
10,37
